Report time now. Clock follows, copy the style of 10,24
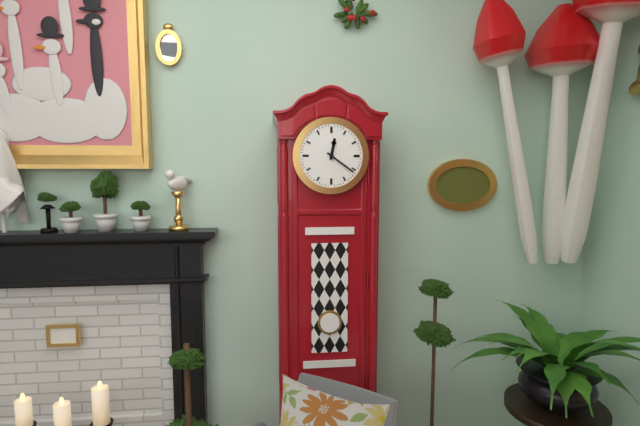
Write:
12,21
